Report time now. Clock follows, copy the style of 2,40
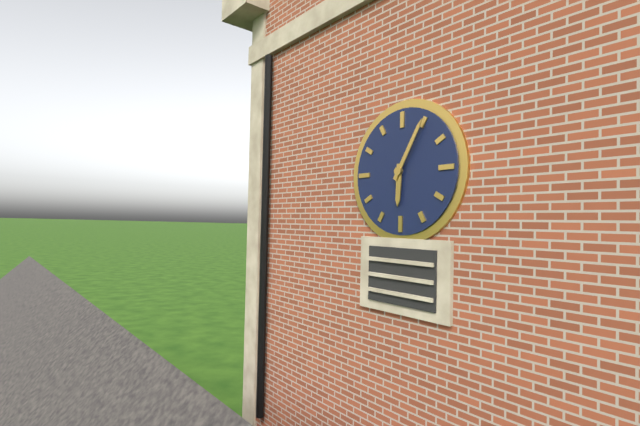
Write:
6,05
